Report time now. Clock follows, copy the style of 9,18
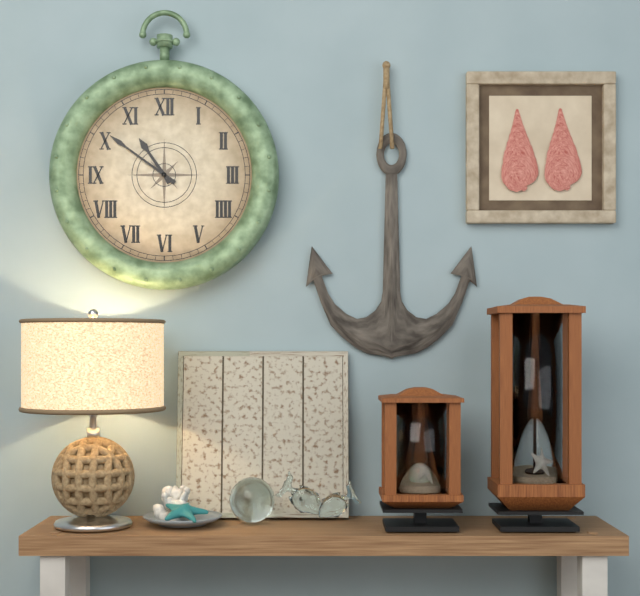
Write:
10,51
